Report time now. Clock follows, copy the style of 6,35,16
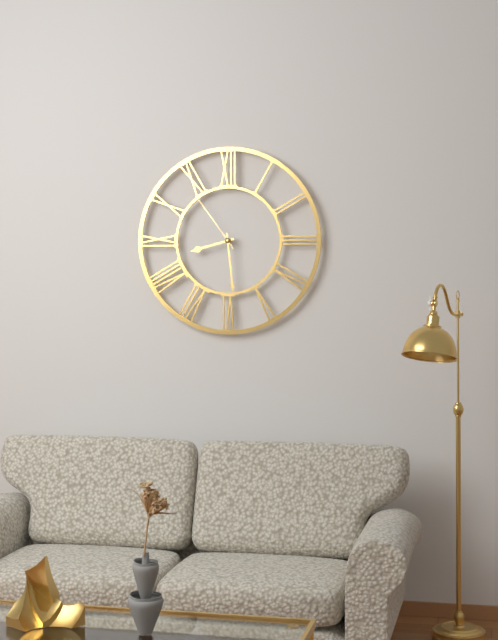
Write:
8,29,54
